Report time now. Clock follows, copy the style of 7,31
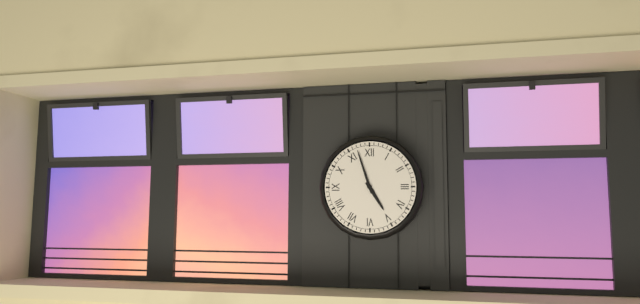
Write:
4,57
